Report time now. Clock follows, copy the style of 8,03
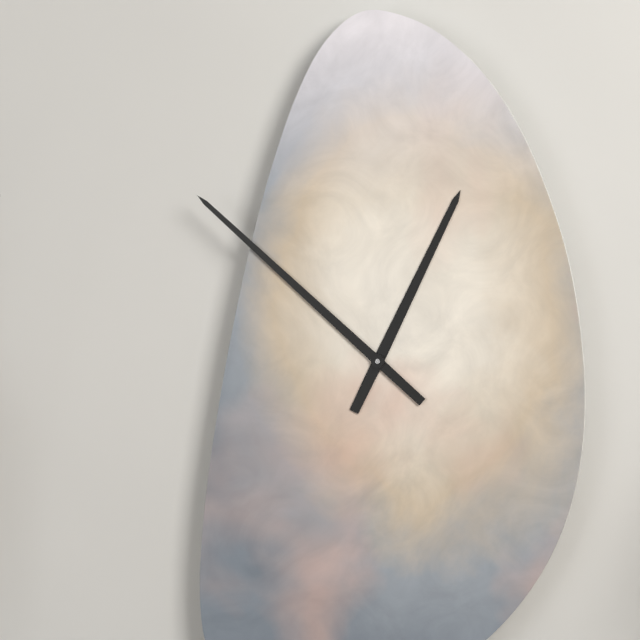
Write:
12,52
